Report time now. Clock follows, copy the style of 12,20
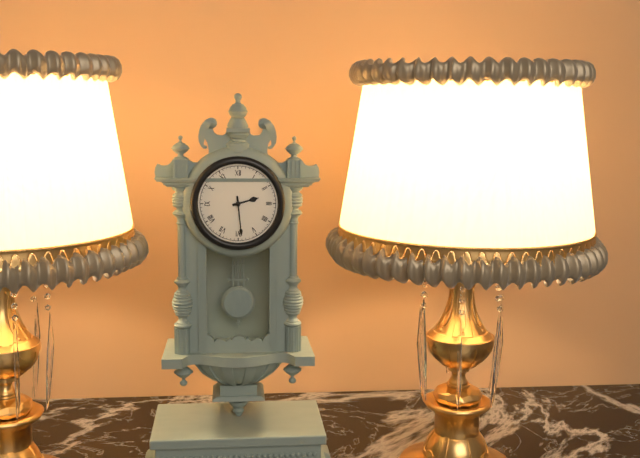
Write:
2,29
